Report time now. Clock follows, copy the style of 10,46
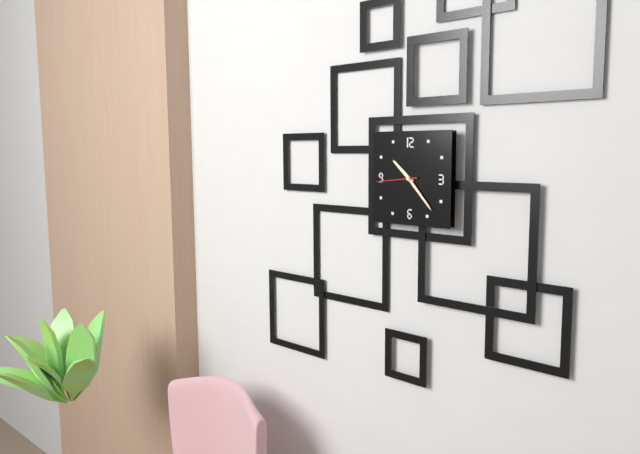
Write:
10,23
